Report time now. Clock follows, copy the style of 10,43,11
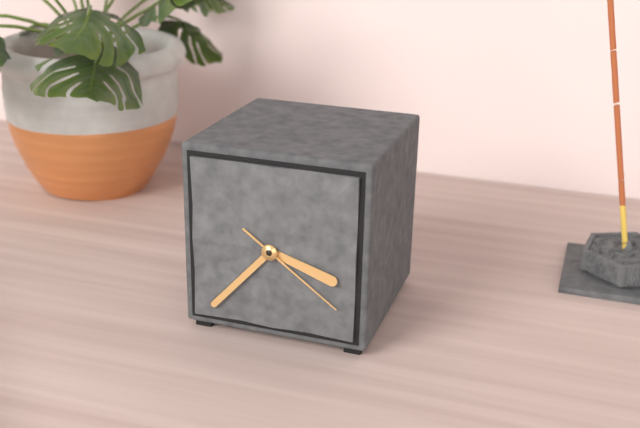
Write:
3,37,21
